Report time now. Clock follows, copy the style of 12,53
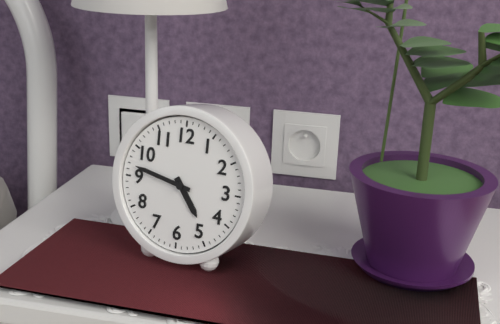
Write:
4,47
